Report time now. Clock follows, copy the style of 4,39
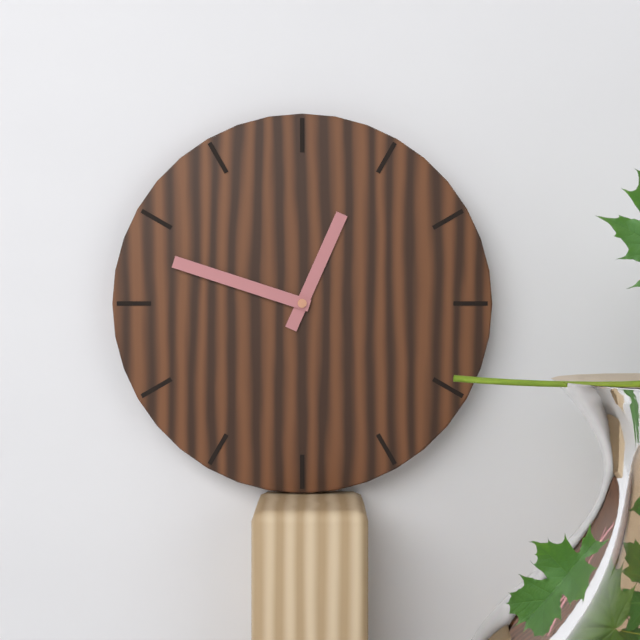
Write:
12,48
